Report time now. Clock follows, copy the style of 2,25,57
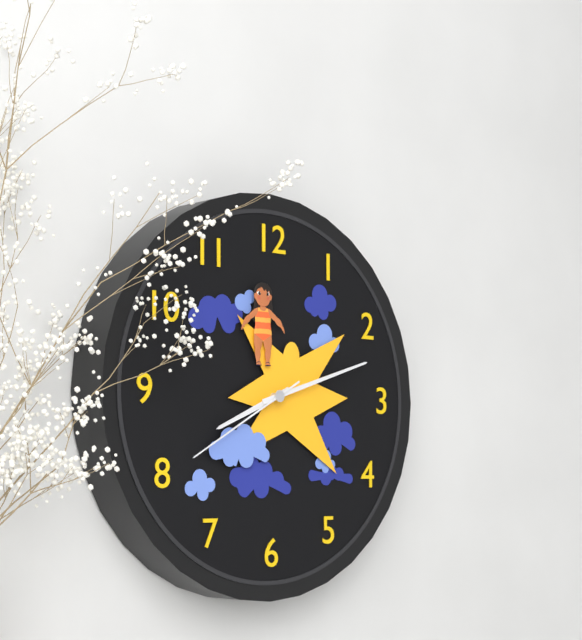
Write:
8,12,40
